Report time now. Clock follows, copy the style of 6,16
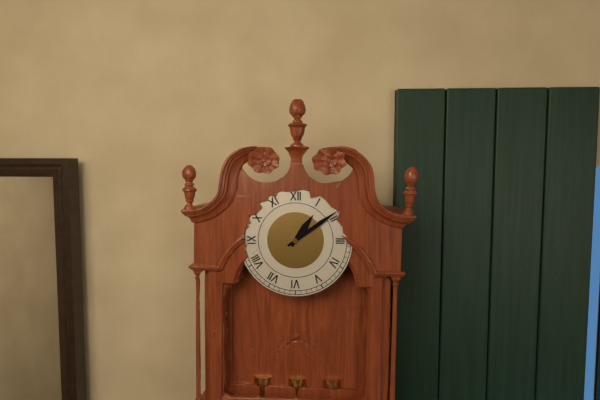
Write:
1,09
